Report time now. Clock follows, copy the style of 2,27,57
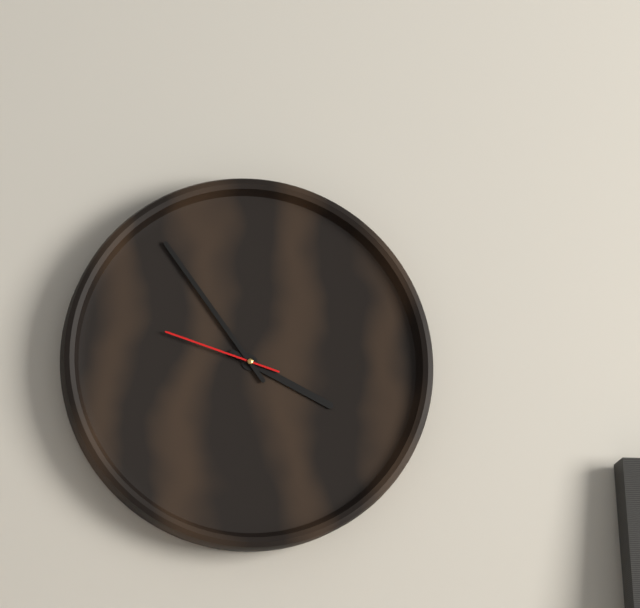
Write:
3,54,48
